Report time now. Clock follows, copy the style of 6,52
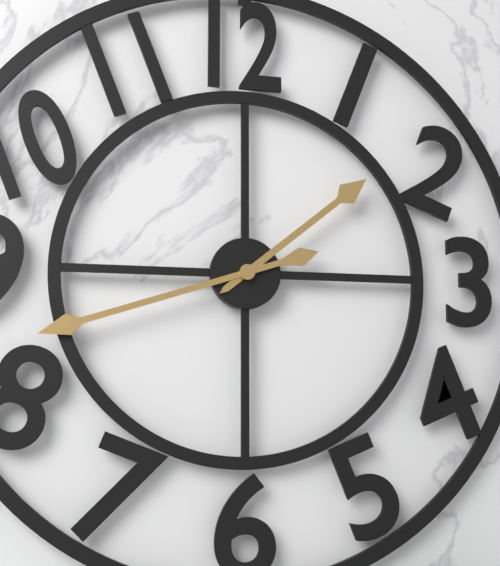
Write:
1,42
